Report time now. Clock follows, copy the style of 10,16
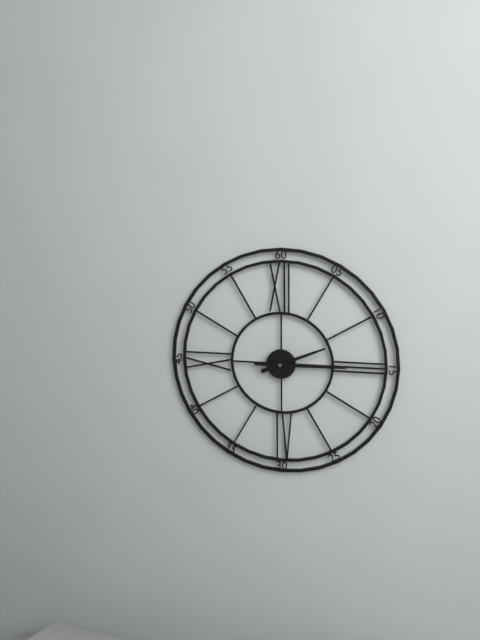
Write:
2,15
